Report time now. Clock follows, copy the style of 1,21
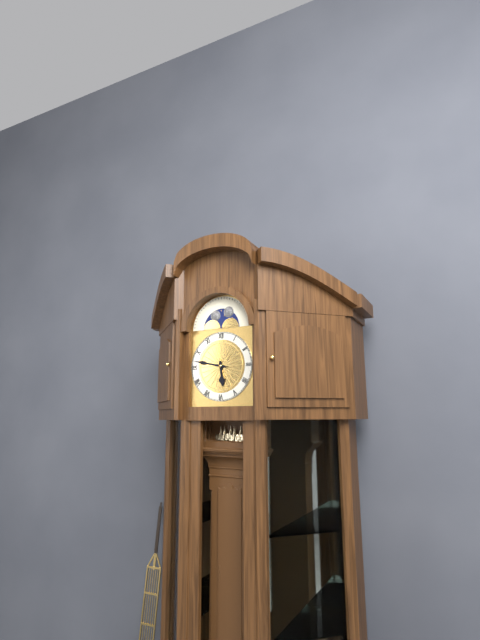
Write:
5,47
